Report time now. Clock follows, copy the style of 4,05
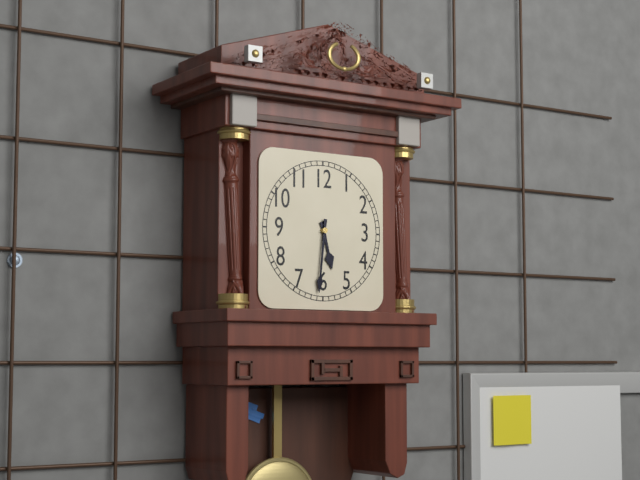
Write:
5,31
